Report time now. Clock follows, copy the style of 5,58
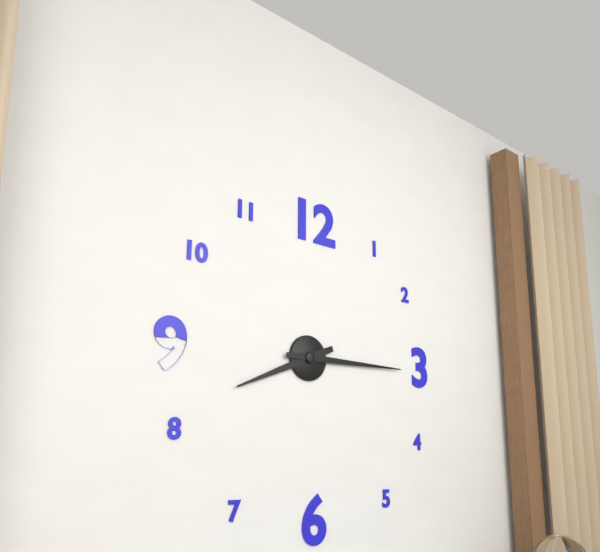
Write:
8,15
